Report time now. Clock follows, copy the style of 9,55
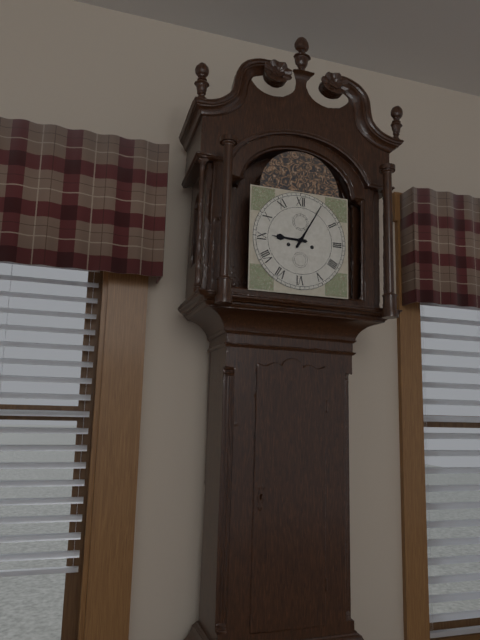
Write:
9,05
